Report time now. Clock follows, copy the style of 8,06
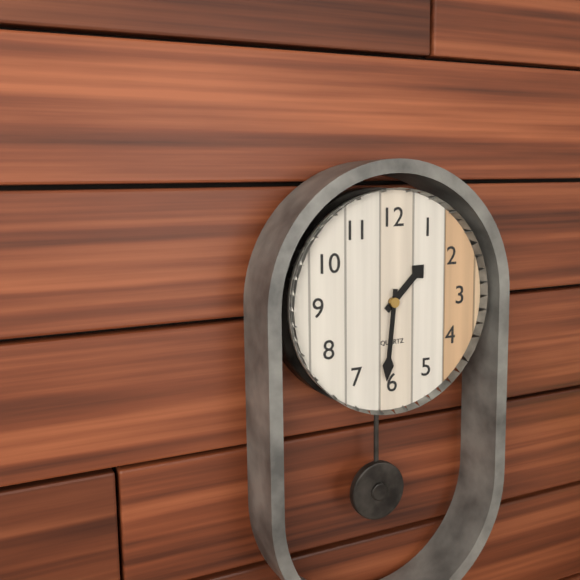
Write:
1,31
